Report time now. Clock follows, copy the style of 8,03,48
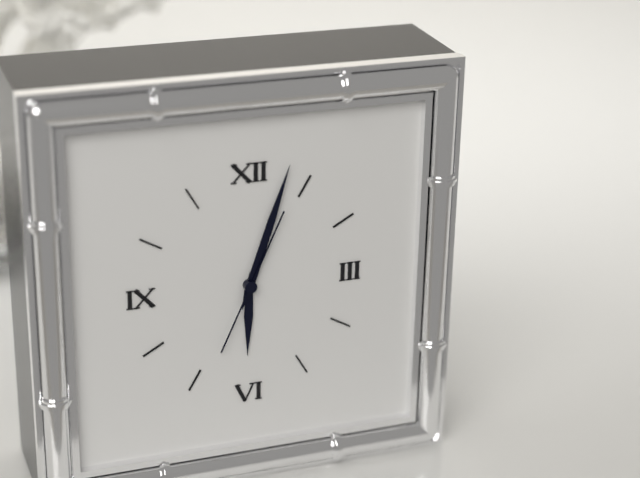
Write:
6,03,04
